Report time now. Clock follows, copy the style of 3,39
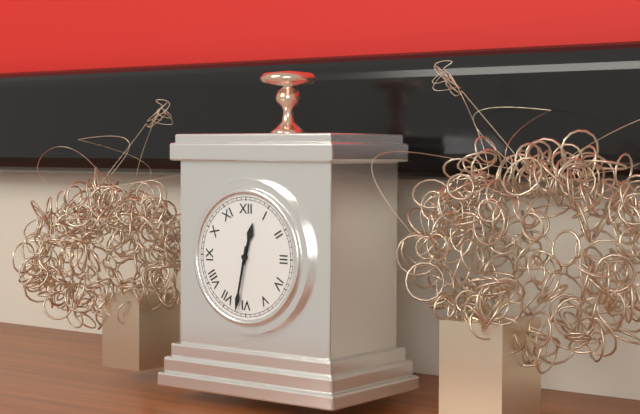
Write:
12,32
